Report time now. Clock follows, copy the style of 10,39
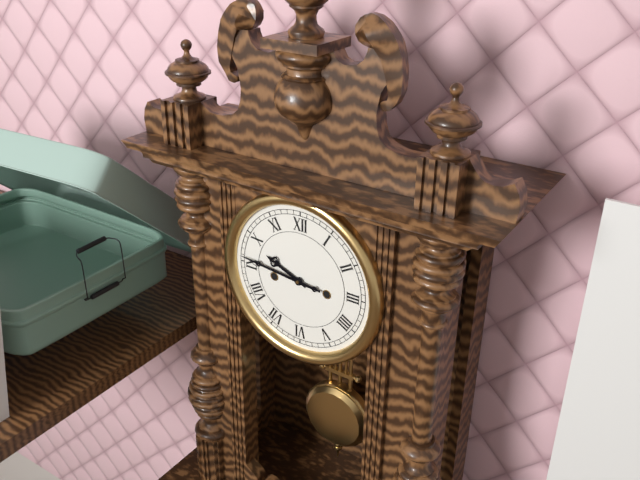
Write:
9,46
